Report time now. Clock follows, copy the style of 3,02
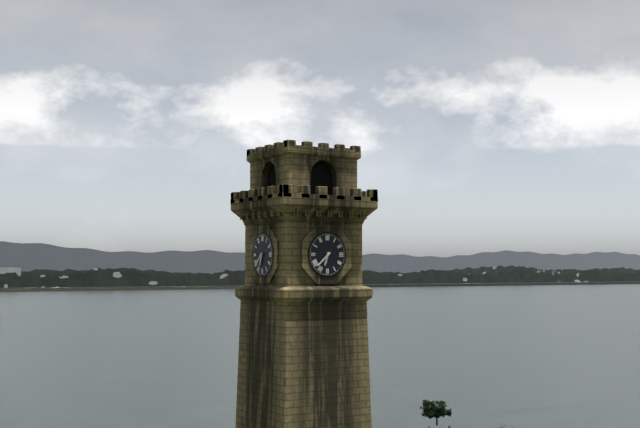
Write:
6,38
